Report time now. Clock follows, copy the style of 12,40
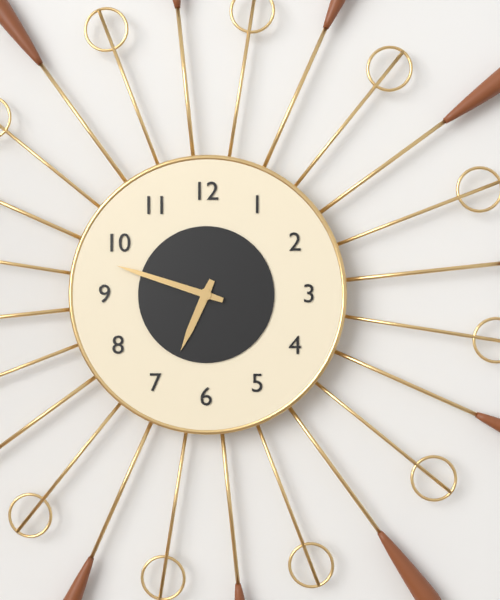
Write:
6,48
